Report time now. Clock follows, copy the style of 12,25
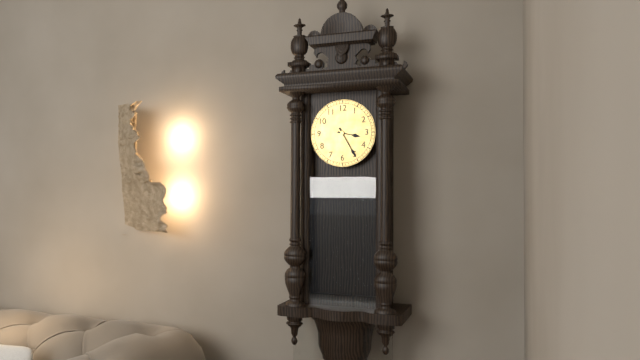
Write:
3,25
